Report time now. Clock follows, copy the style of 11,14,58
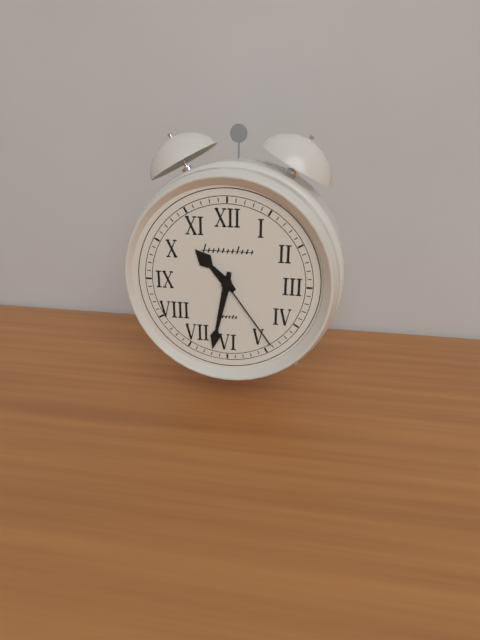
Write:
10,32,24
